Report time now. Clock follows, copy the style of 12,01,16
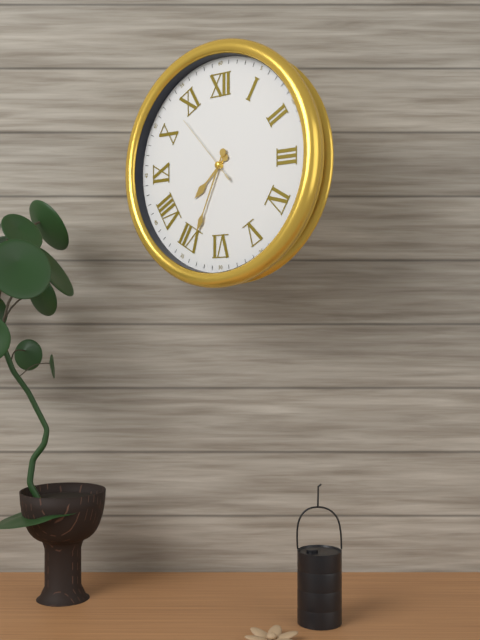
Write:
7,34,53
